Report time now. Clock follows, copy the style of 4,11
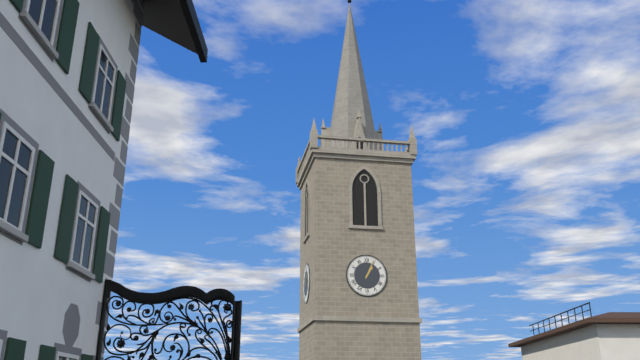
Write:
1,04
